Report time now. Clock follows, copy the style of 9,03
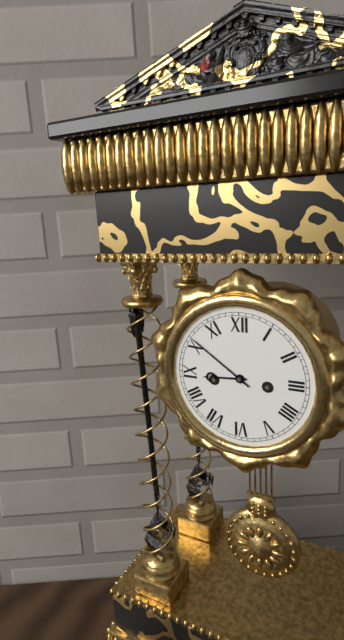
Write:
8,51
